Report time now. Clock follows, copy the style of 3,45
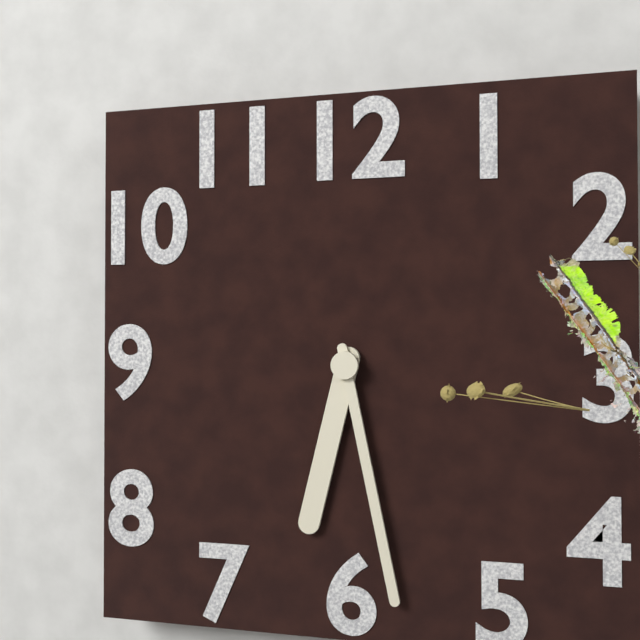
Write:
6,28
